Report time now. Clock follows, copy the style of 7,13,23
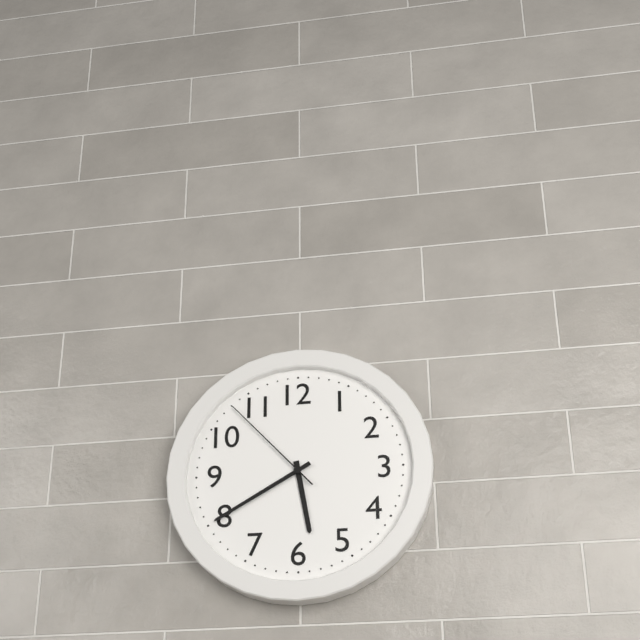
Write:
5,40,53
